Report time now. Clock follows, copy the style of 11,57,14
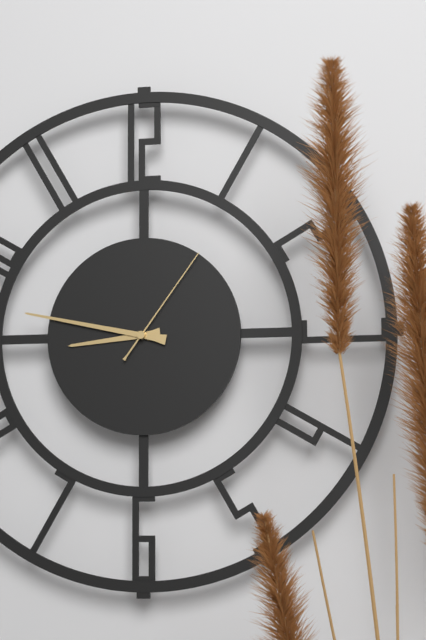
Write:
8,47,06
